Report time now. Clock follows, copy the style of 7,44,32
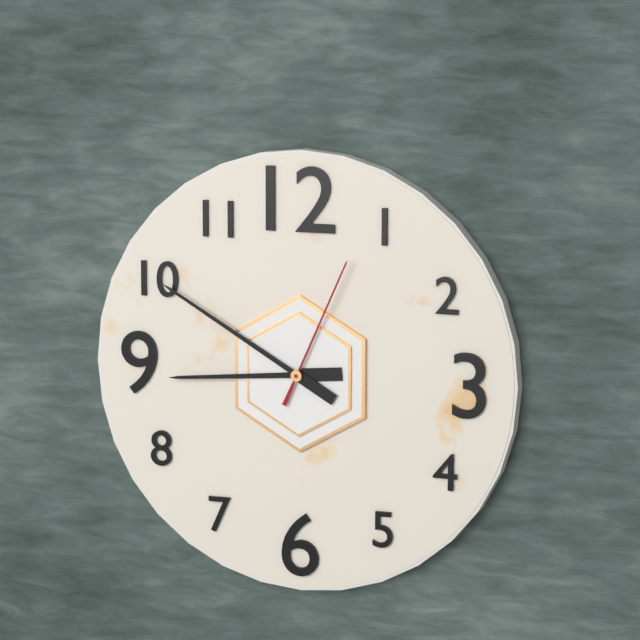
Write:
8,50,04
